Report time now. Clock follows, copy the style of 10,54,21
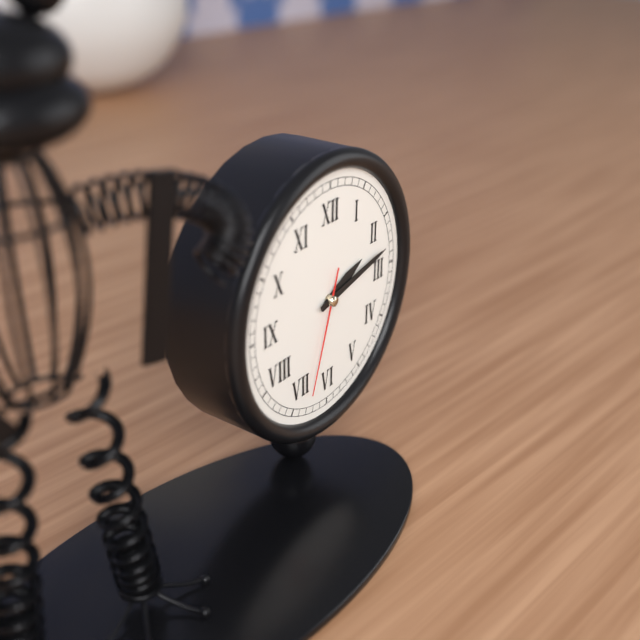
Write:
2,13,33
